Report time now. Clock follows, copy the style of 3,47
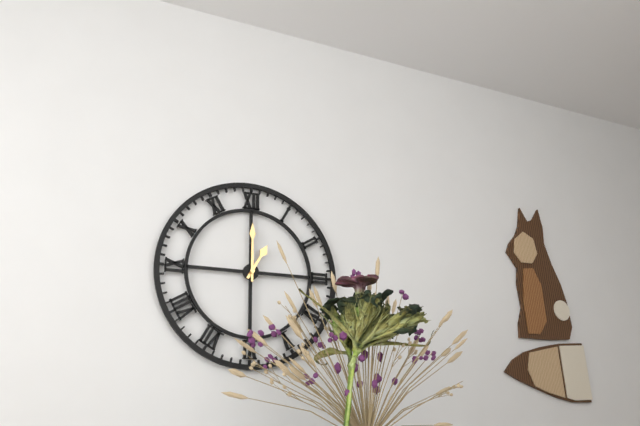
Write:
1,00
